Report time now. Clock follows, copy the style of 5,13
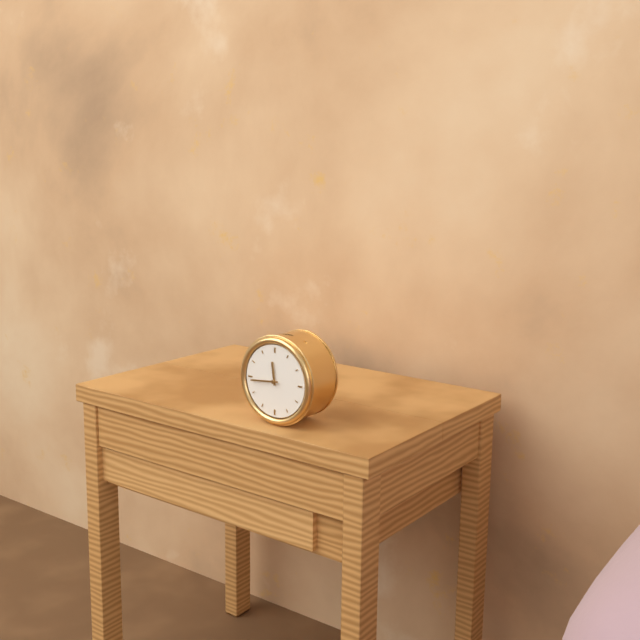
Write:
11,44
